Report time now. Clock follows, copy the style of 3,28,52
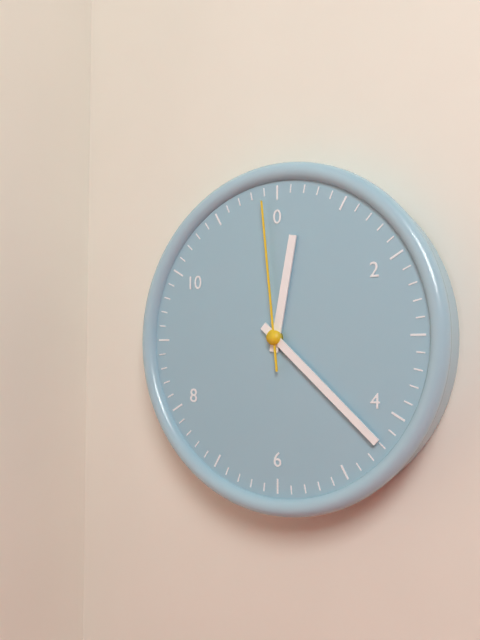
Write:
12,22,59
